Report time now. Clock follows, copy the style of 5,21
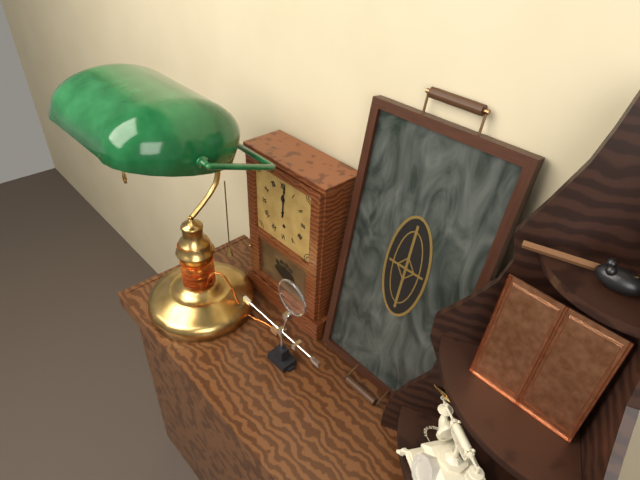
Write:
12,01
